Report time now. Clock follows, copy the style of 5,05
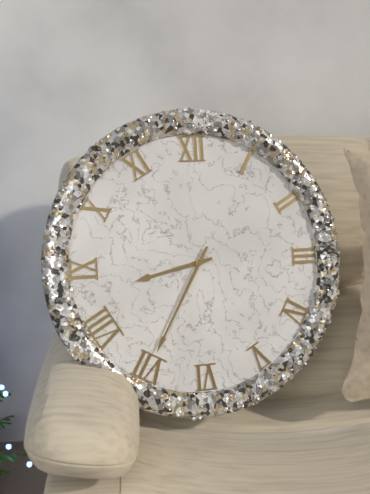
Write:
8,35
